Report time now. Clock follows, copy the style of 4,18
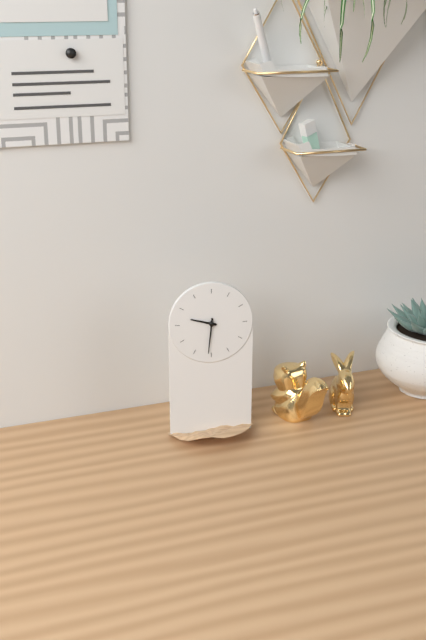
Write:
9,31
